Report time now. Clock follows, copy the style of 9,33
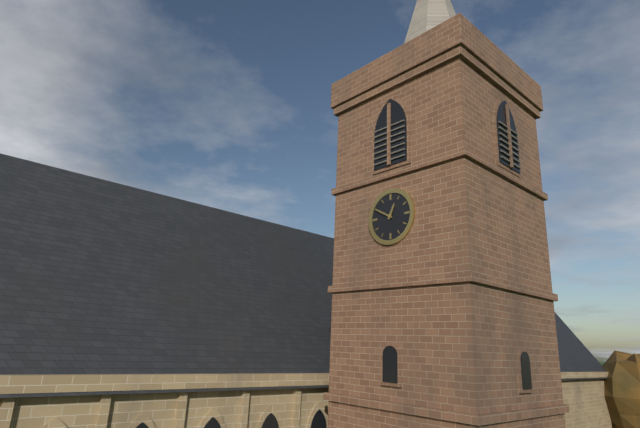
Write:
12,50
